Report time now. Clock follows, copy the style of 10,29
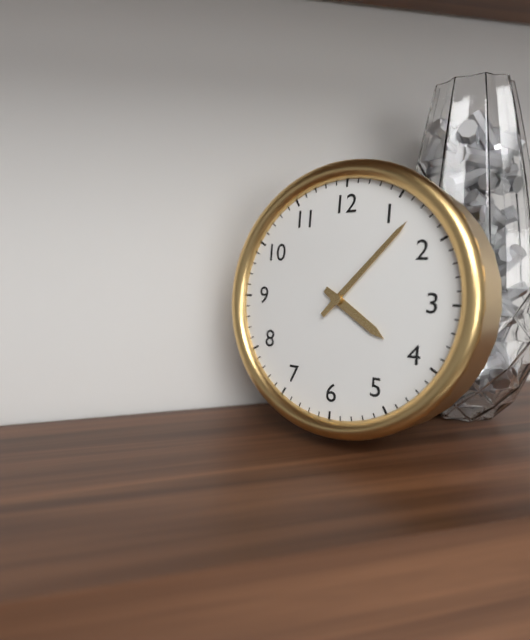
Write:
4,07
